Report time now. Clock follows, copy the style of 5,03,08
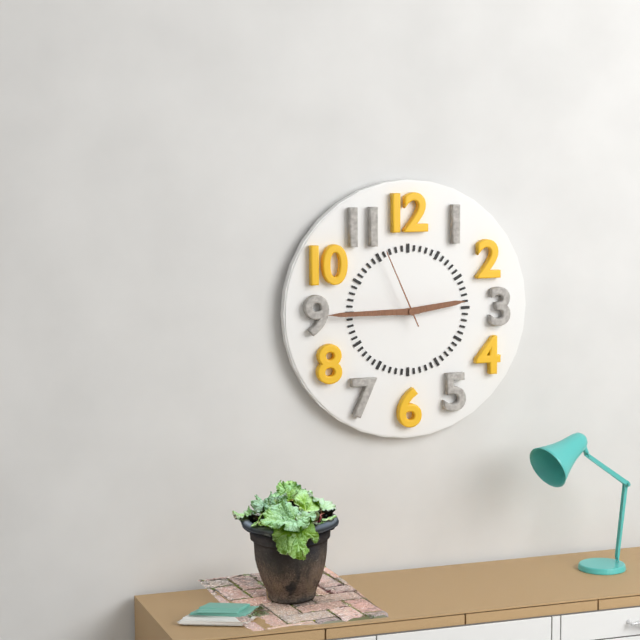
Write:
2,45,56
